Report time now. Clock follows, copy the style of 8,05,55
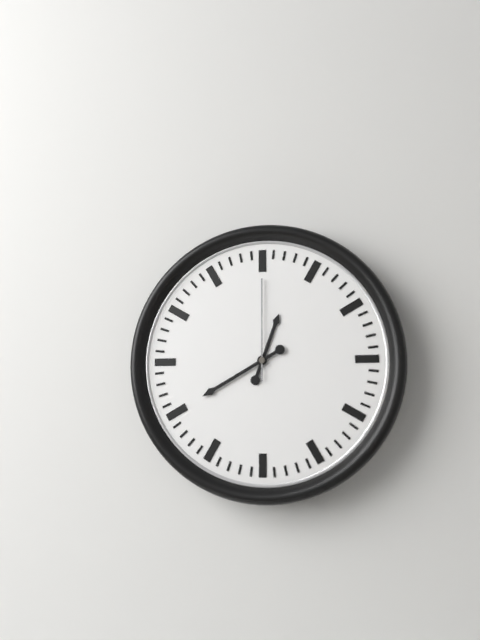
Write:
12,40,00
